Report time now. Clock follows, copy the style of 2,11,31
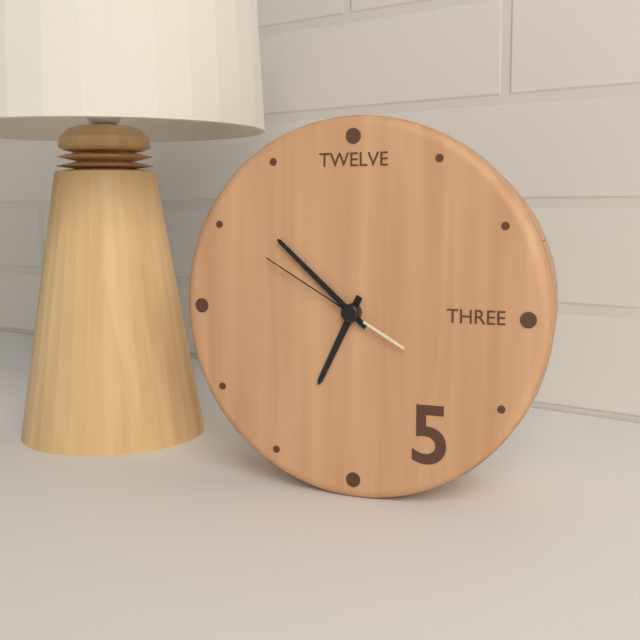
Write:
6,52,50
